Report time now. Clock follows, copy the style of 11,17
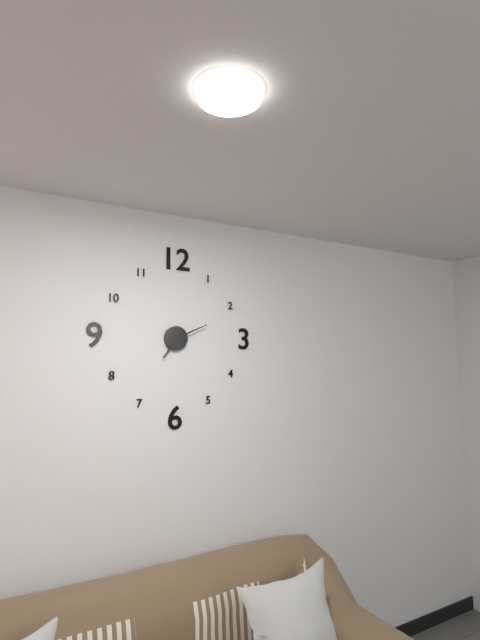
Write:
7,11
